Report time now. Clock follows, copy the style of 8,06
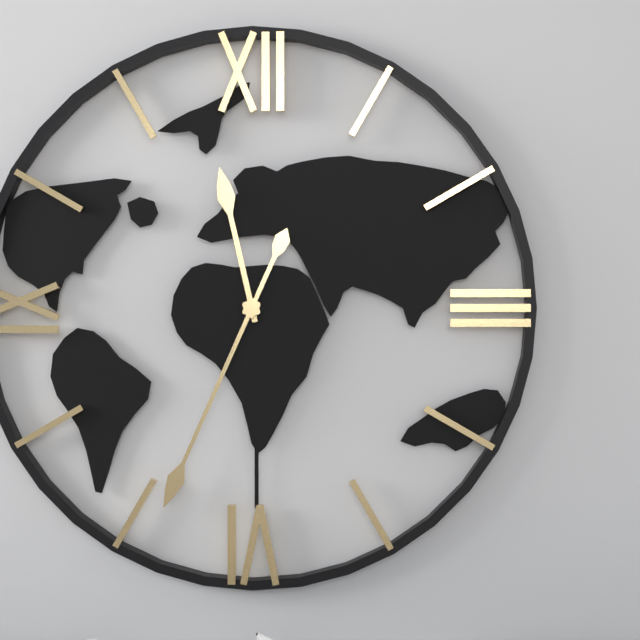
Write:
11,34
